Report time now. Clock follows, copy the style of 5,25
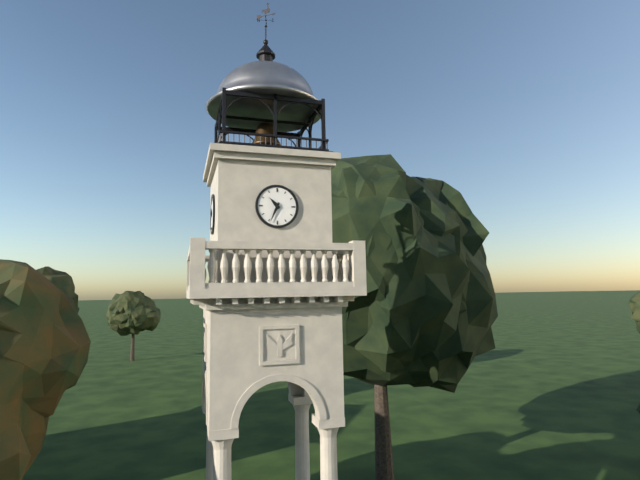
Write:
10,34
